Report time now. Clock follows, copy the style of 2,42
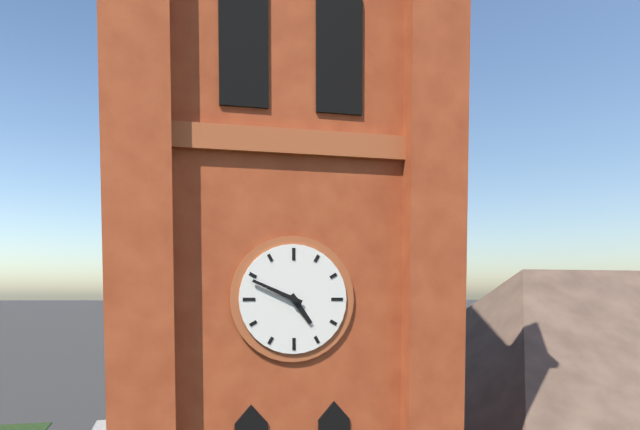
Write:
4,49
